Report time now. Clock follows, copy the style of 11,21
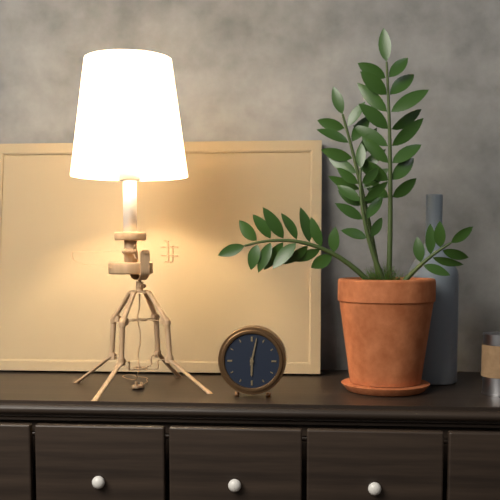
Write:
6,02
